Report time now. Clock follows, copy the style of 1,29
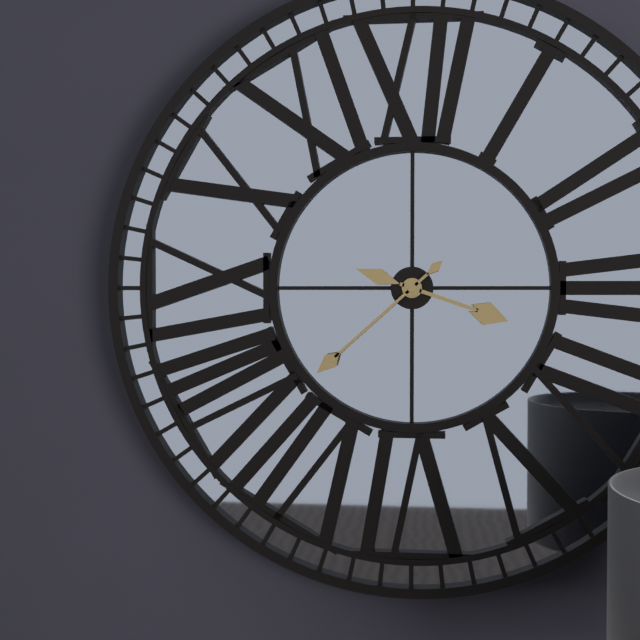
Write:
3,38
